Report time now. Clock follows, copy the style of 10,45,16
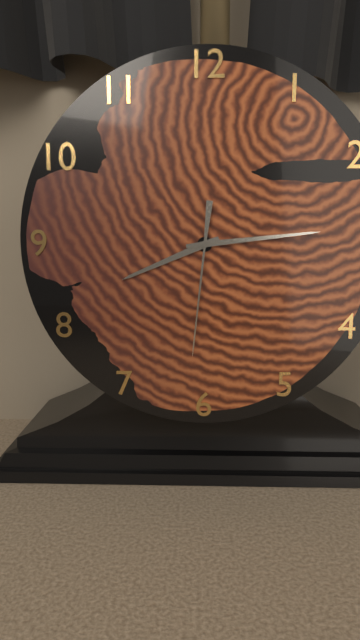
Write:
8,14,31
